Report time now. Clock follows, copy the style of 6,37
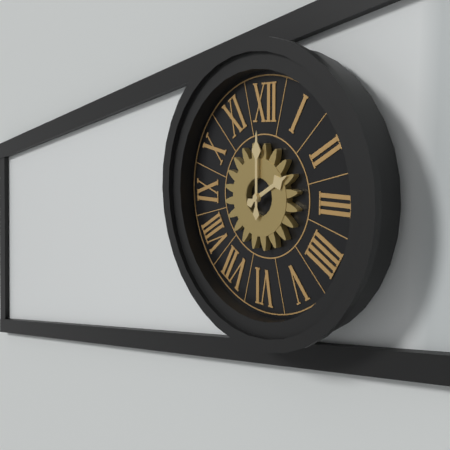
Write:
2,00
